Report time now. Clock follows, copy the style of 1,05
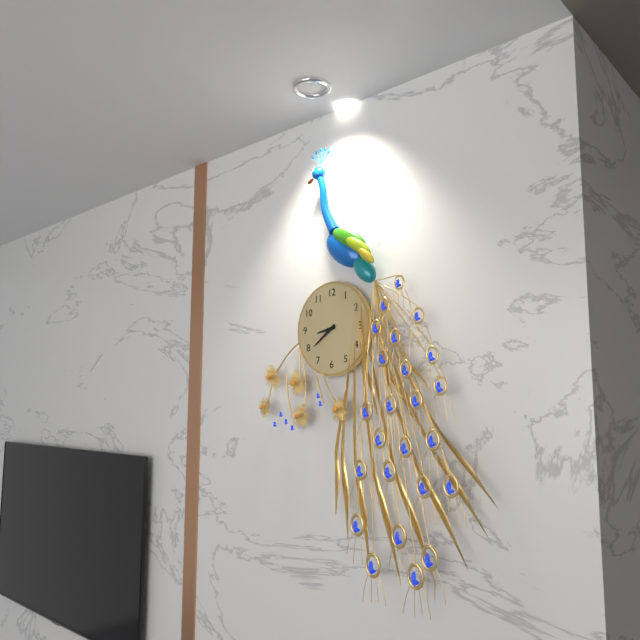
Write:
8,39
